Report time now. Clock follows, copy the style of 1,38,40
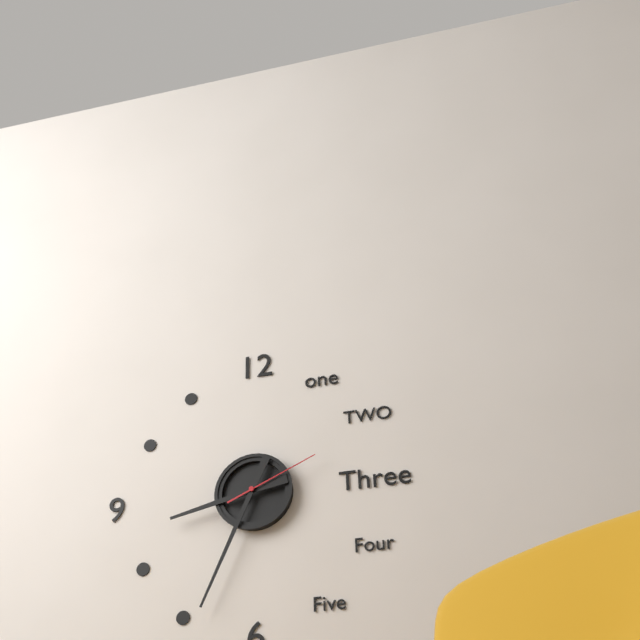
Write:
8,34,11
